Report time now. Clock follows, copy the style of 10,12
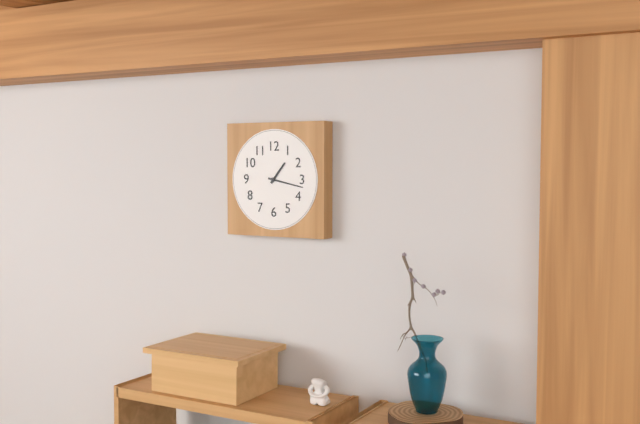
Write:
1,17
